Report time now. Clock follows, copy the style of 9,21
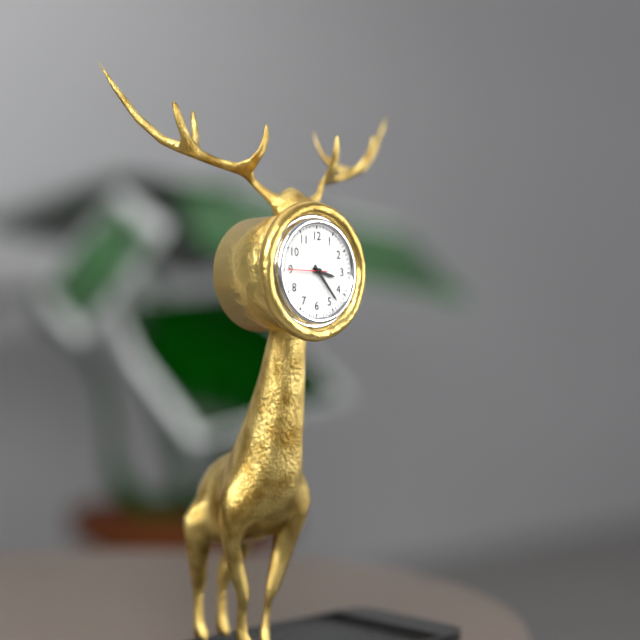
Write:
3,23
